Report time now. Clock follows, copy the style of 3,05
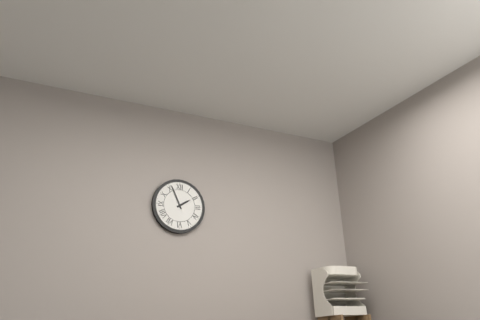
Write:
1,56
